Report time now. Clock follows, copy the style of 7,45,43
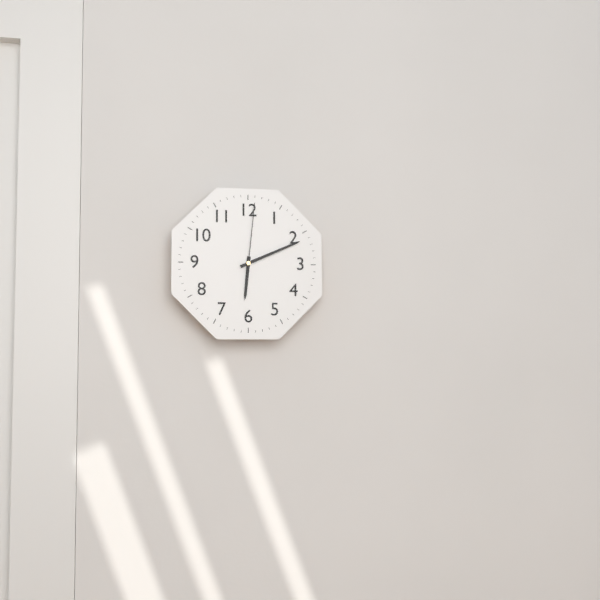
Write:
6,11,01
